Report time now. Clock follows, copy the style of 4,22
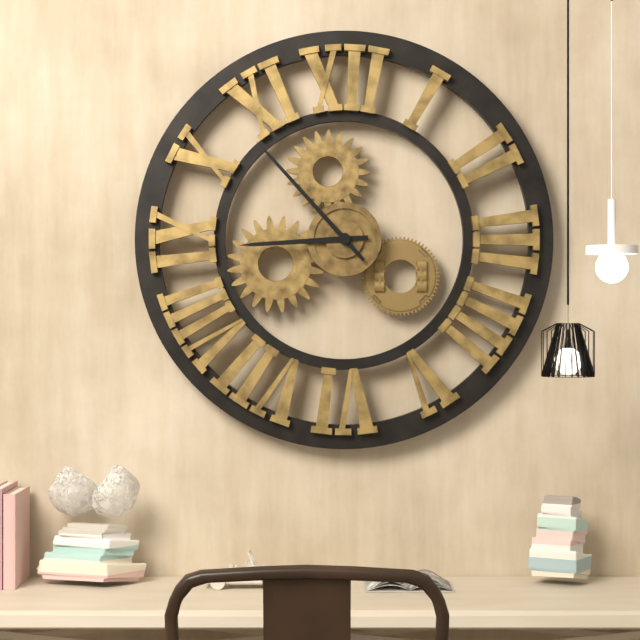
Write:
8,53
